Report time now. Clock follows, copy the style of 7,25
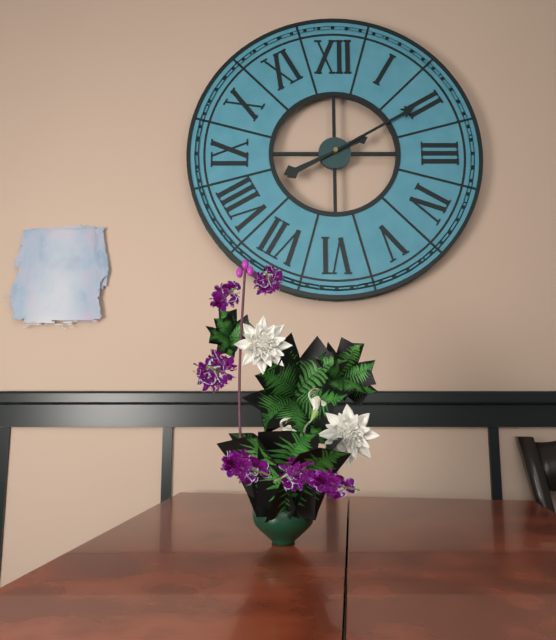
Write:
8,10
